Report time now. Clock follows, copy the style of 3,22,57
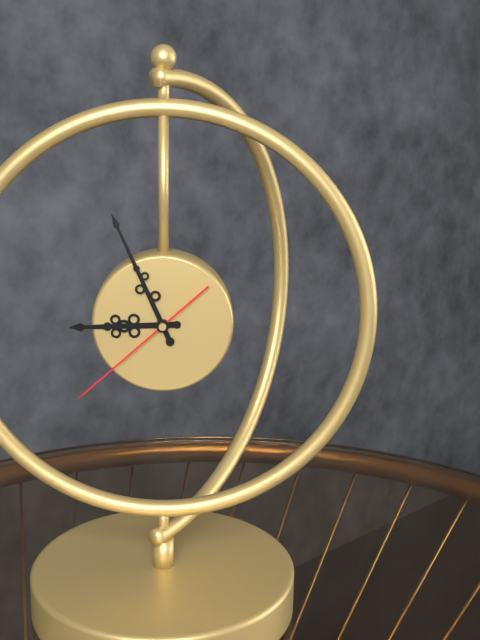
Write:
8,56,38
